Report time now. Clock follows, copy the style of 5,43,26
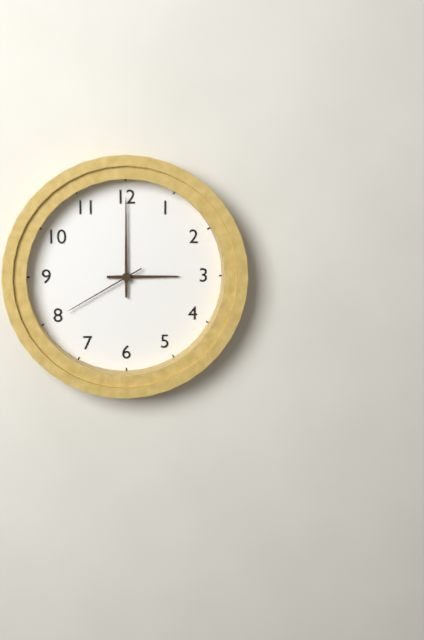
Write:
3,00,40
